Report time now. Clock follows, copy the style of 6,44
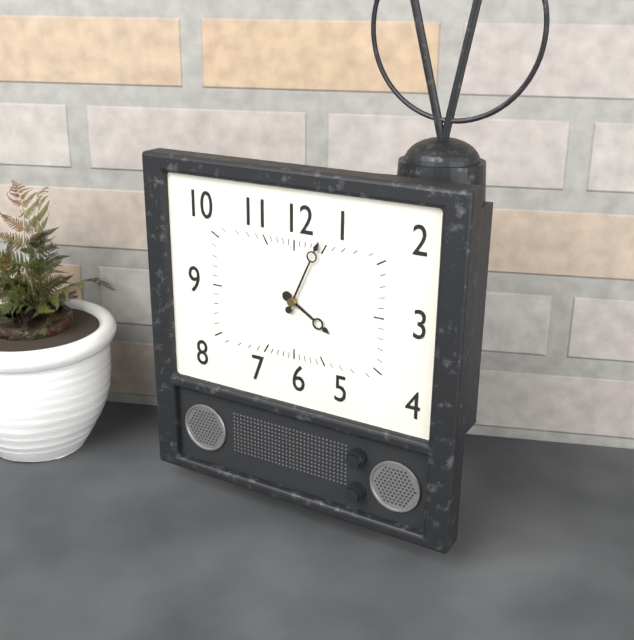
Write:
4,04
